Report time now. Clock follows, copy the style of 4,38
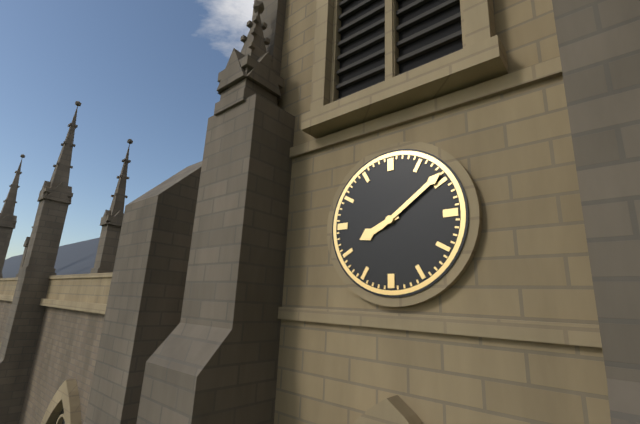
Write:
8,09
